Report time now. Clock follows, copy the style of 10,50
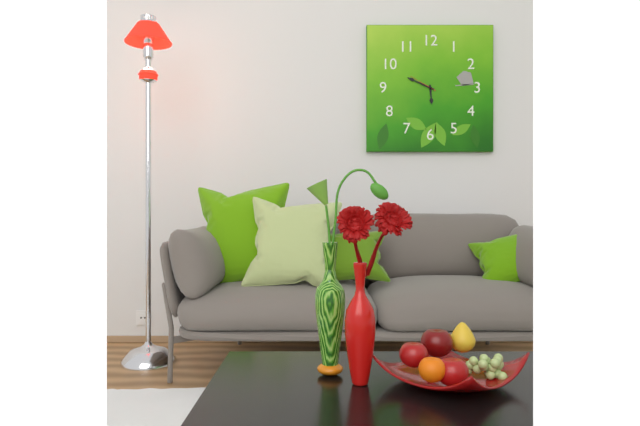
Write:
5,49
